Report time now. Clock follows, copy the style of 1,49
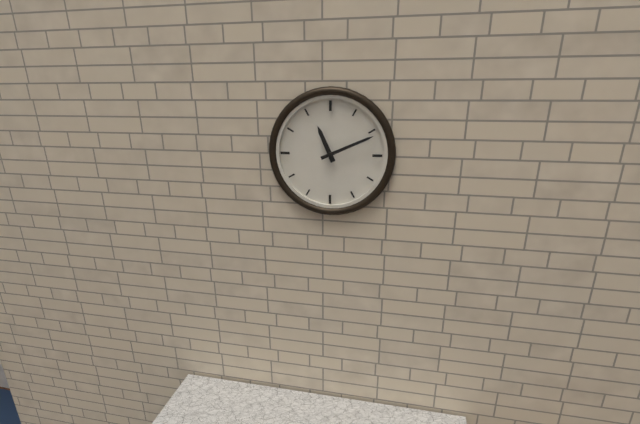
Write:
11,11
